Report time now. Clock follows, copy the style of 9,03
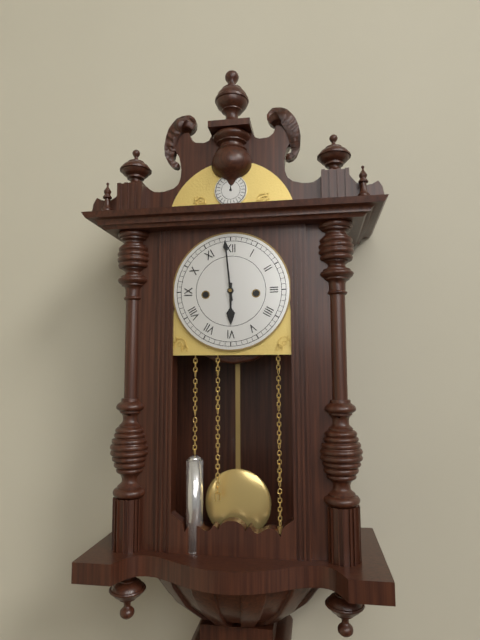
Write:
5,59
